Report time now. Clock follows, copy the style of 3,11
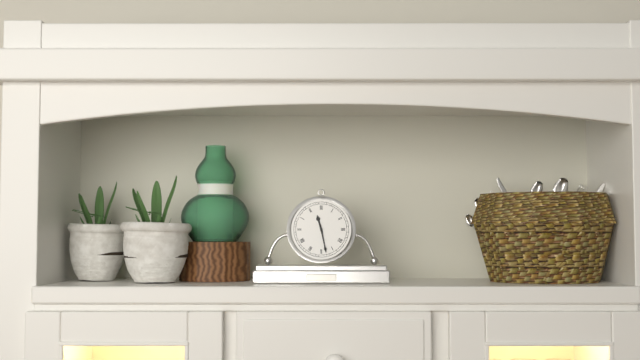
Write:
11,28
